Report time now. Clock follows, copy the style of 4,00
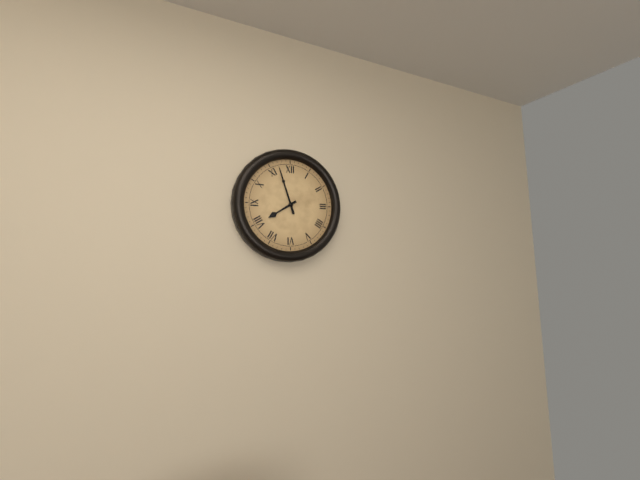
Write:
7,57
